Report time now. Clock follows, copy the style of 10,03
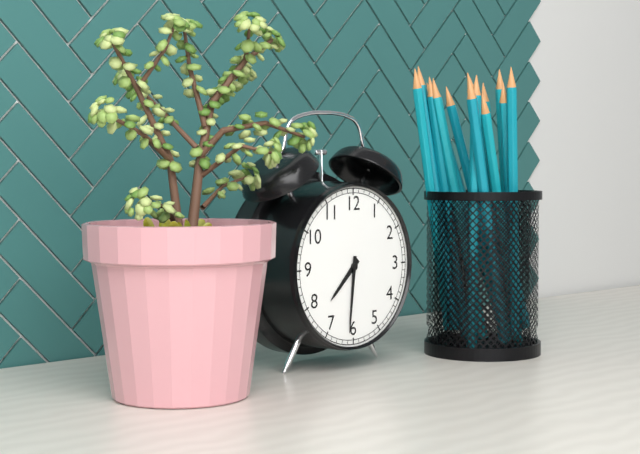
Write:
7,31
